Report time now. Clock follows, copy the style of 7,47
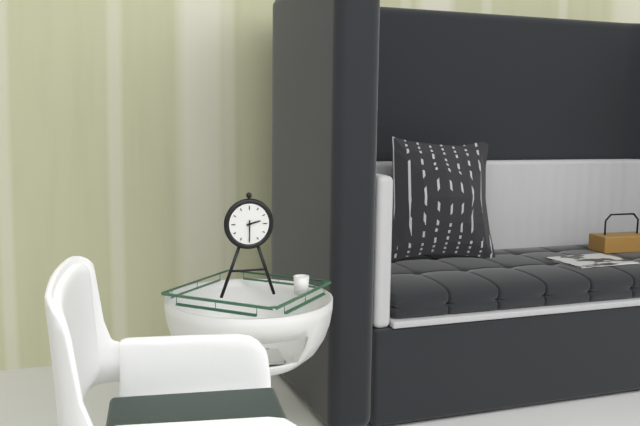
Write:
2,30
